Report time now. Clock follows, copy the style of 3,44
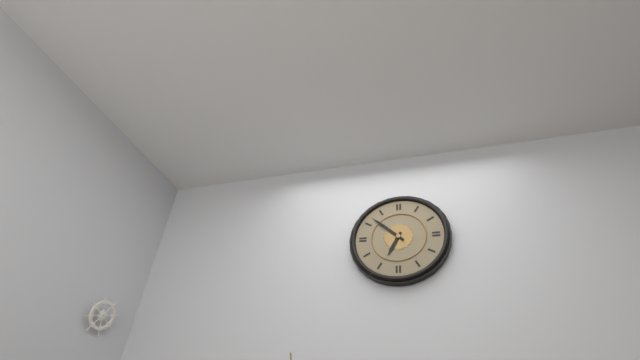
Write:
6,52
